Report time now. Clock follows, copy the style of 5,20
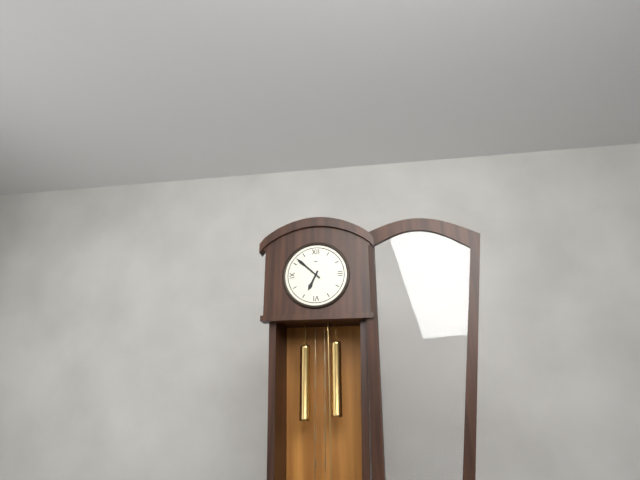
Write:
6,52
